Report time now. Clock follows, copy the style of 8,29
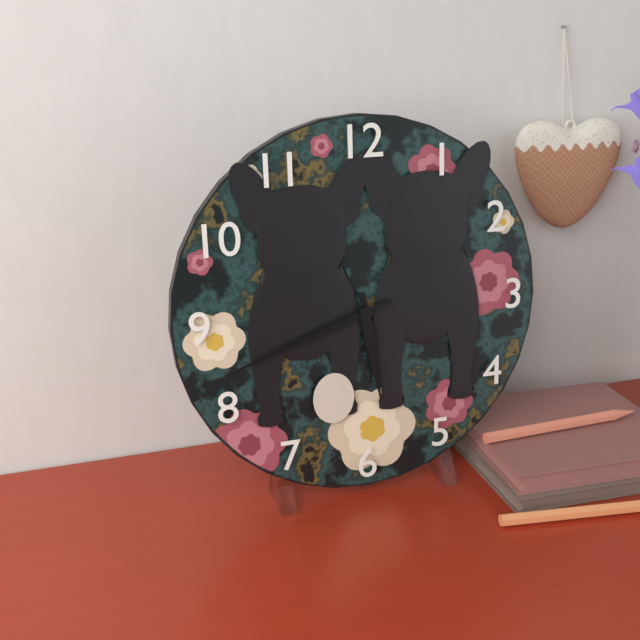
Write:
5,42
